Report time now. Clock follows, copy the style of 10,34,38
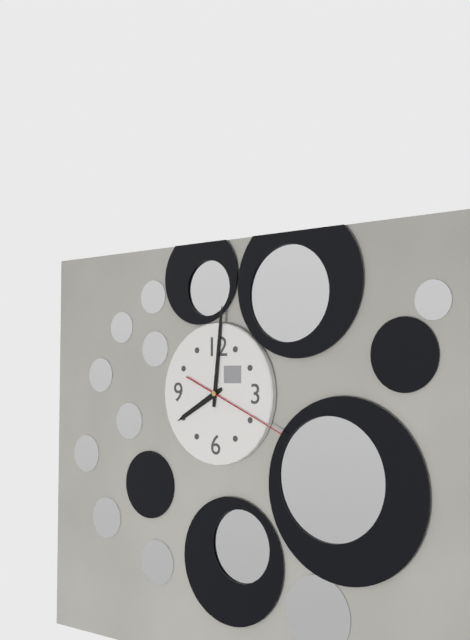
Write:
8,01,19
